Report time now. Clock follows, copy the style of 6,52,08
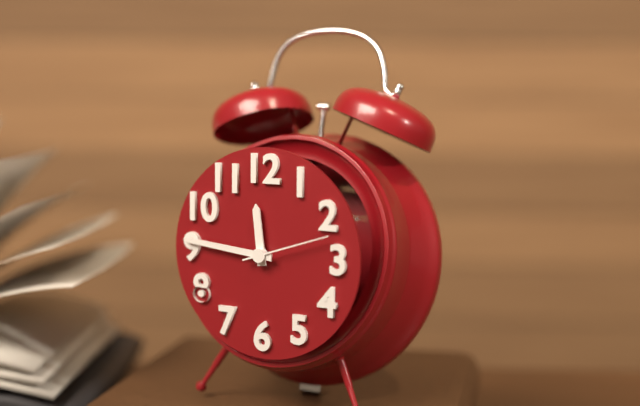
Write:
11,46,12
